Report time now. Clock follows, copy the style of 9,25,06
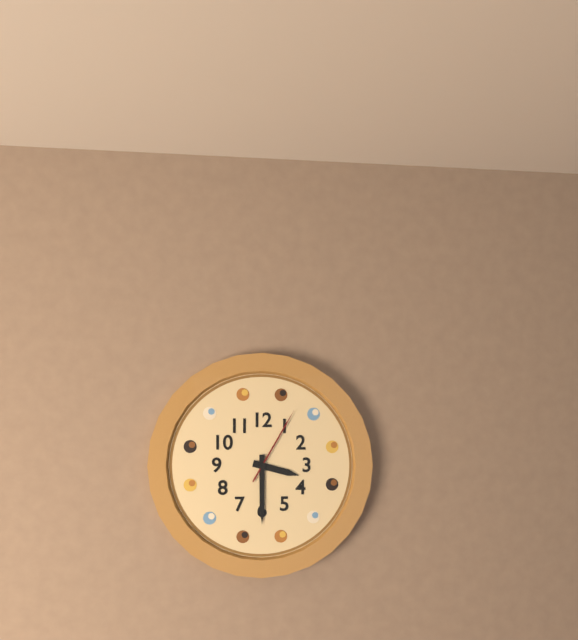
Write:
3,30,05
